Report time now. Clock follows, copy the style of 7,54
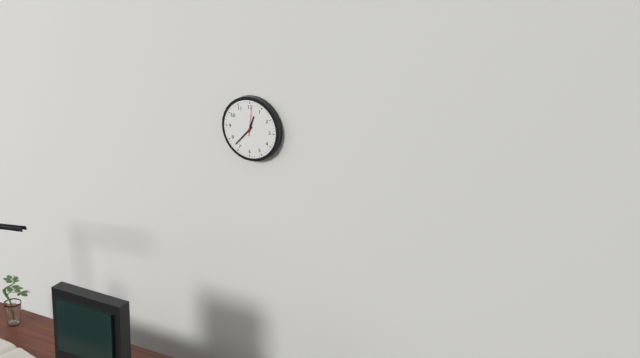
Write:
12,37
